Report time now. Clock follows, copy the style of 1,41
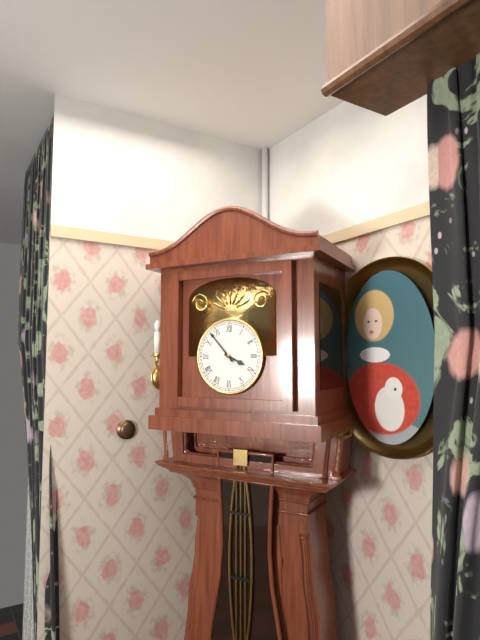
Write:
3,53
